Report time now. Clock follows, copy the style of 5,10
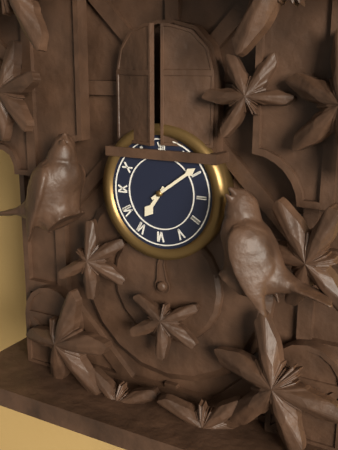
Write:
7,09
